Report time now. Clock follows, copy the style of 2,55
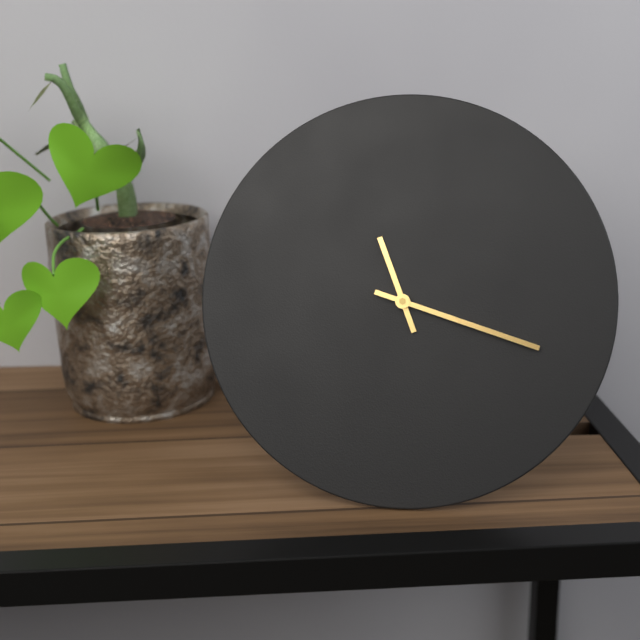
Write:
11,18
